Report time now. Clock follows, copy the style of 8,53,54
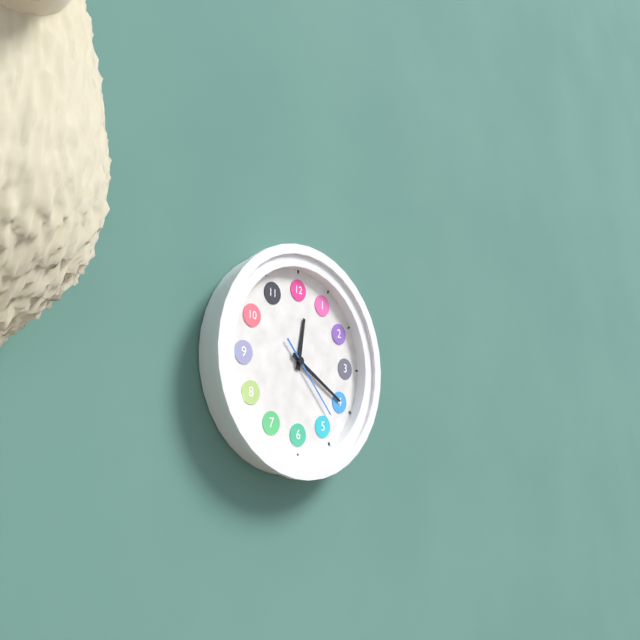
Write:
12,20,23
